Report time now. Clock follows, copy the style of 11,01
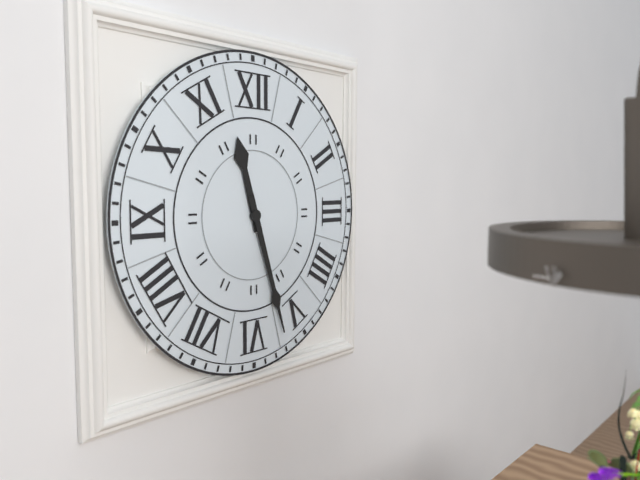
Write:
11,27
